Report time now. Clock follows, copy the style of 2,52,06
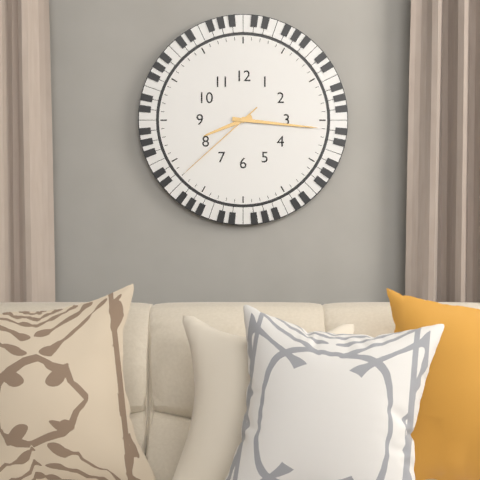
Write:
8,16,38
